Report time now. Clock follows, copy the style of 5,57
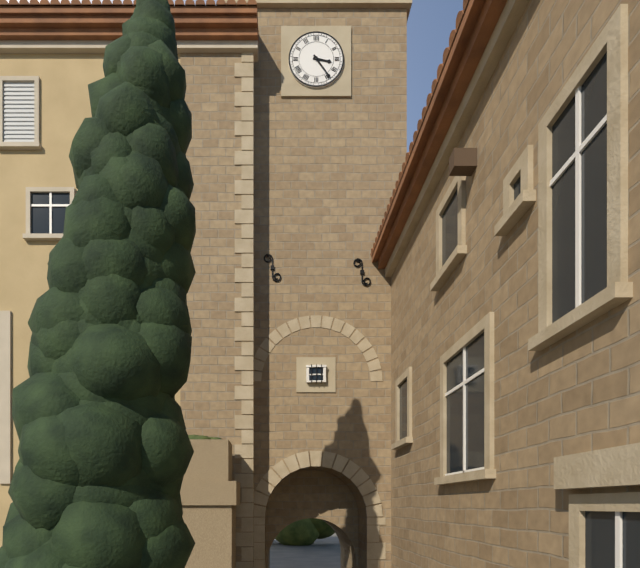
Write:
3,24
